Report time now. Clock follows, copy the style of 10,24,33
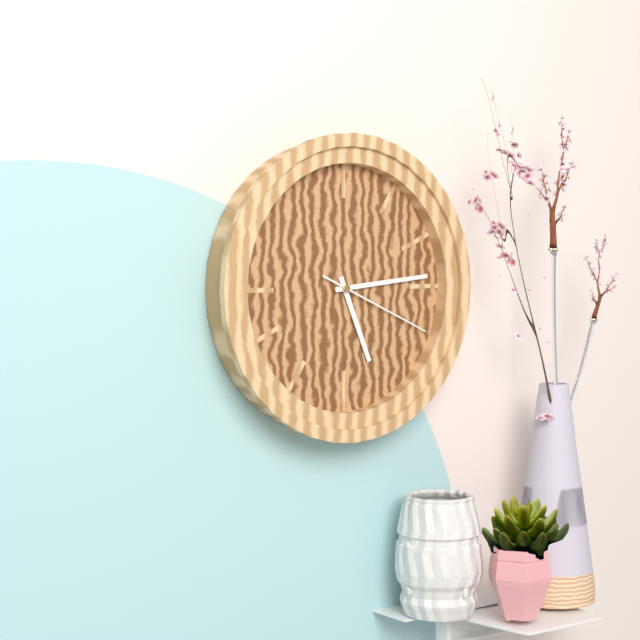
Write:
5,14,19
